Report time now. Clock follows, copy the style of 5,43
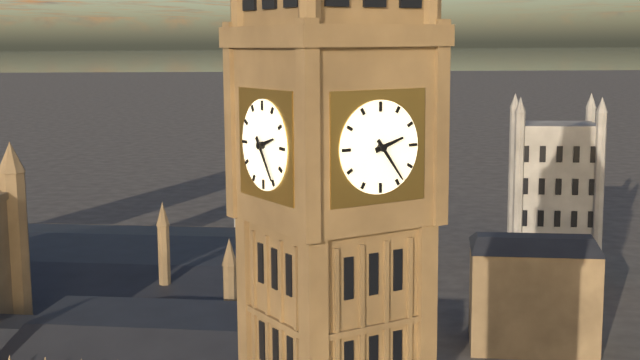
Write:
2,24
